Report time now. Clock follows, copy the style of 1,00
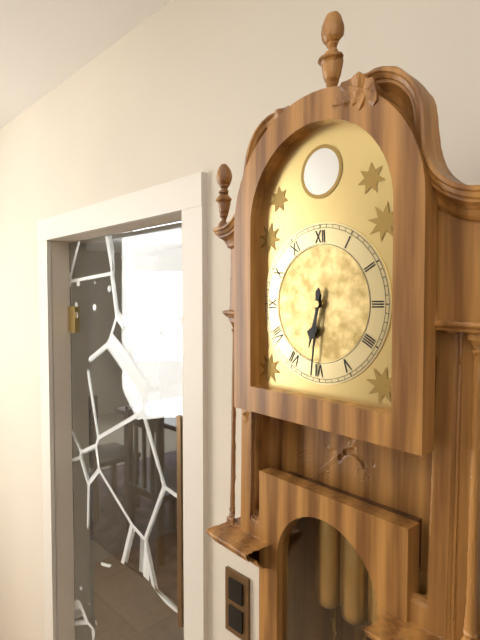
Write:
6,31
